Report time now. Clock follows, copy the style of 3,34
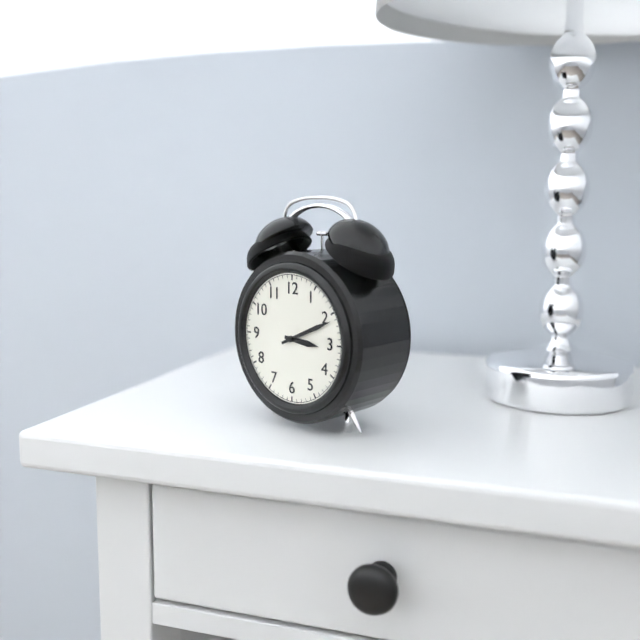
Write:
3,11
